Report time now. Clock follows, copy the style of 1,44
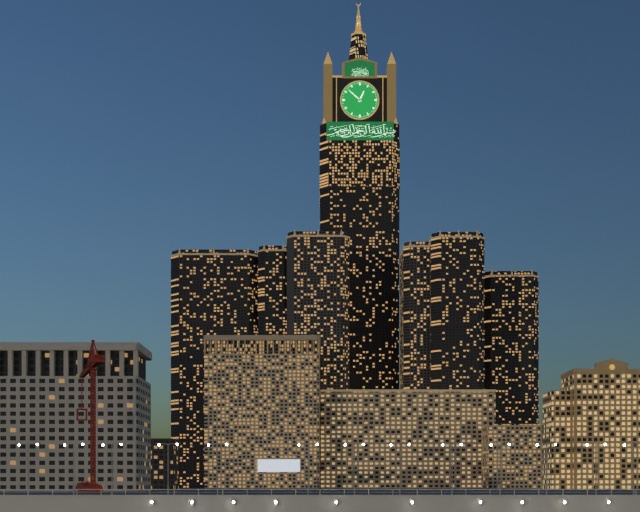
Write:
12,52
